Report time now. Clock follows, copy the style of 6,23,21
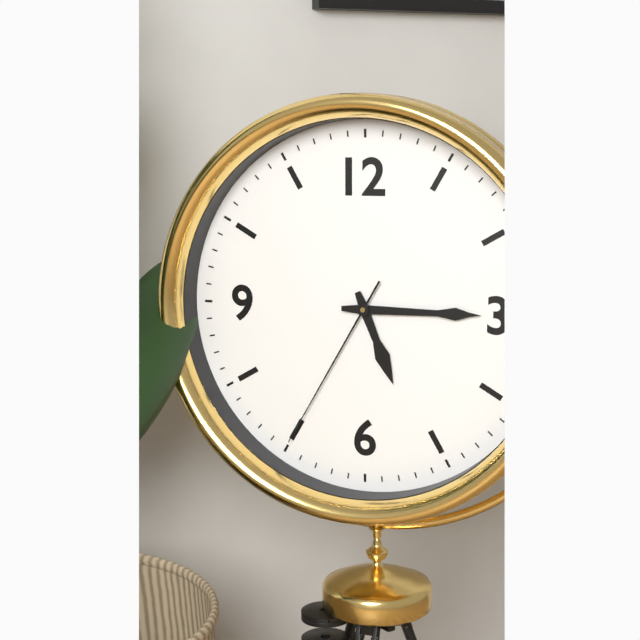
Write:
5,15,35
